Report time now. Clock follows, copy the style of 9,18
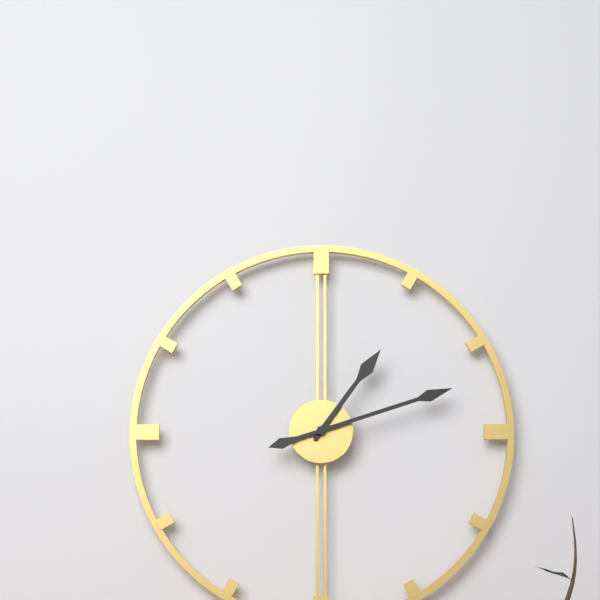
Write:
1,12
